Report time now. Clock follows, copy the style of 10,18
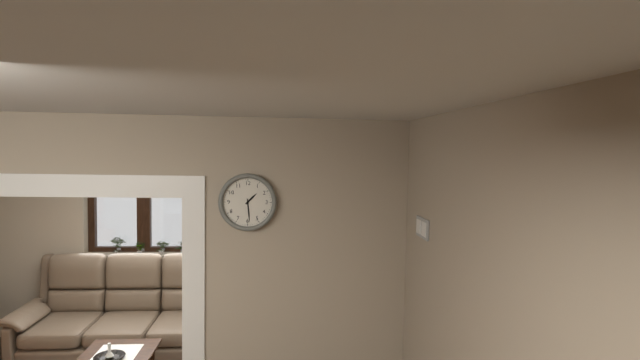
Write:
1,29
